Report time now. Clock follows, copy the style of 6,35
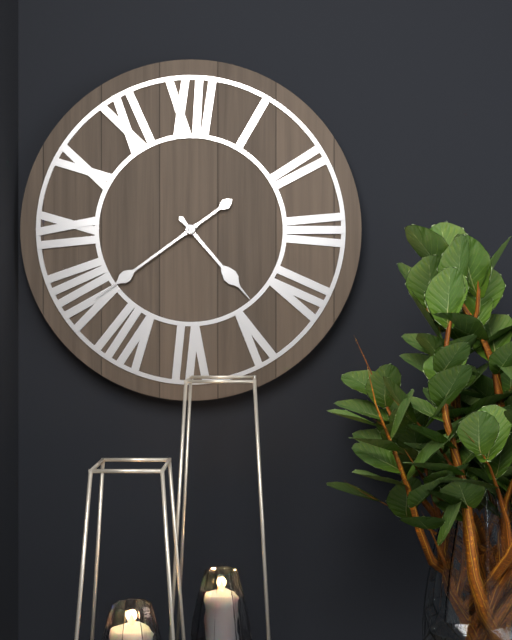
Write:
4,39
